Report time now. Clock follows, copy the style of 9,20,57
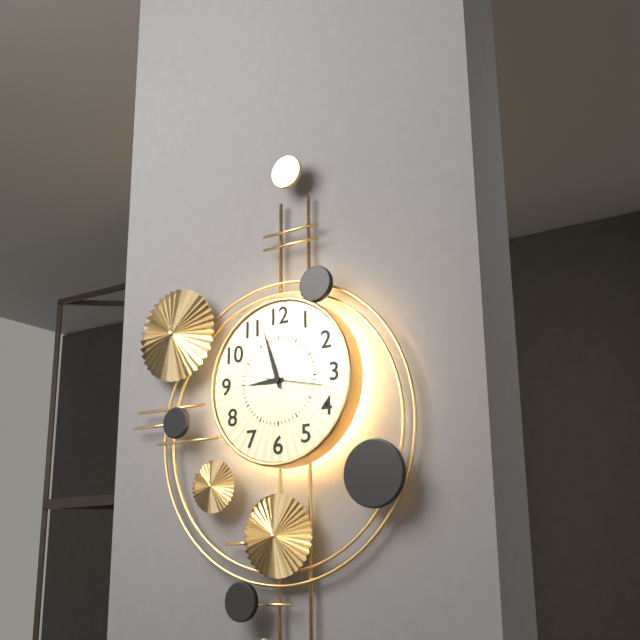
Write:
8,57,17
